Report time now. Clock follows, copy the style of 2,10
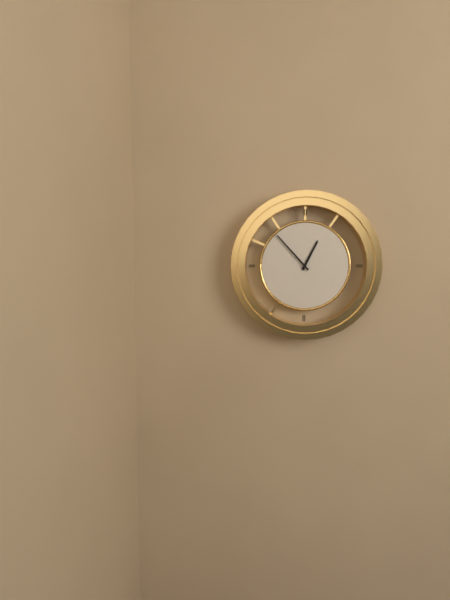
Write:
12,53
